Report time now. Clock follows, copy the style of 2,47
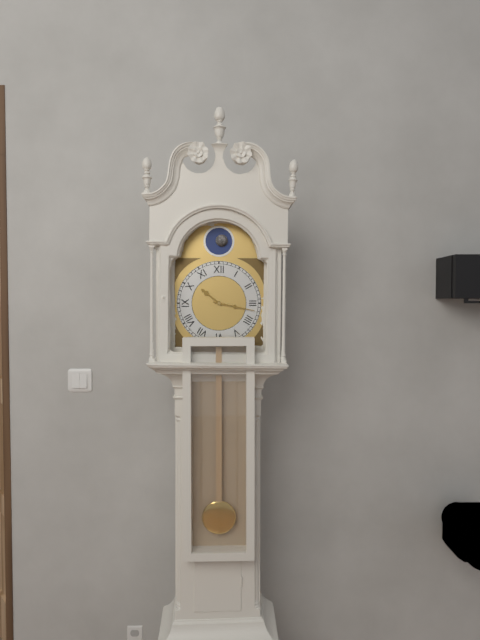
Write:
10,17
